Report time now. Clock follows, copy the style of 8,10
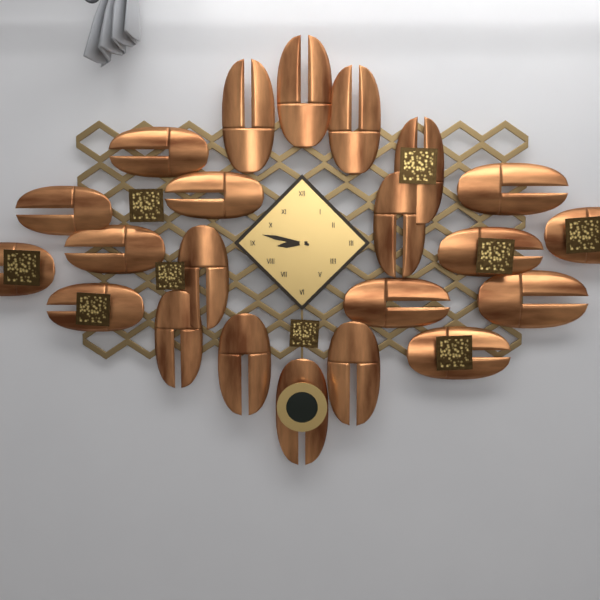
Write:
8,47
